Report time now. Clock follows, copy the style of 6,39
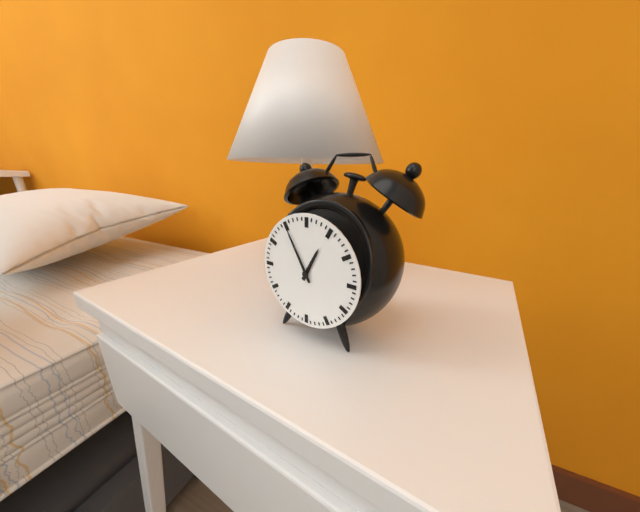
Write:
12,55
